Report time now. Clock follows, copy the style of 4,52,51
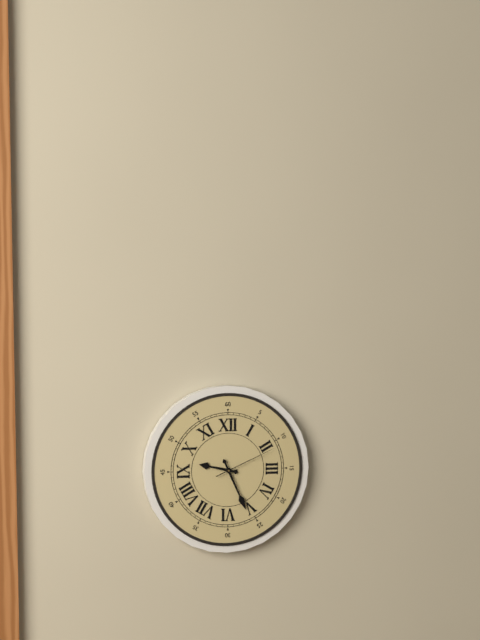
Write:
9,26,11
